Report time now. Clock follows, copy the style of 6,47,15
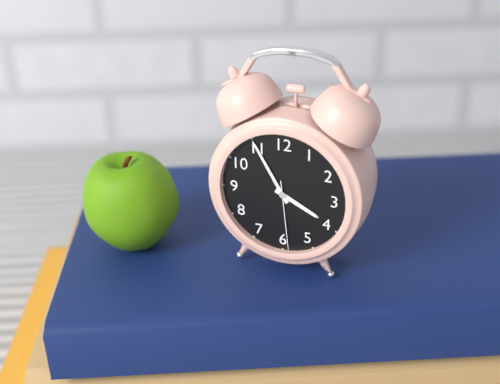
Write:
3,55,29
